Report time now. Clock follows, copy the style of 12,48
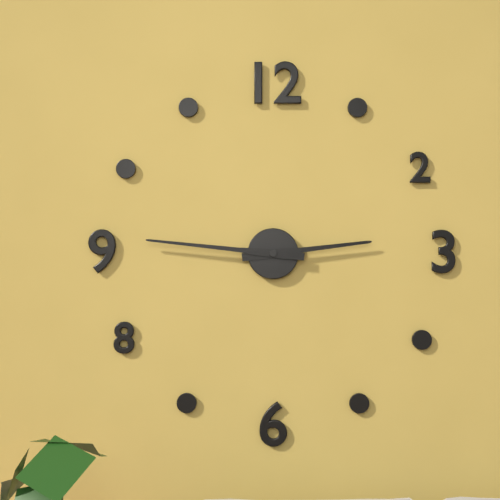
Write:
2,46
